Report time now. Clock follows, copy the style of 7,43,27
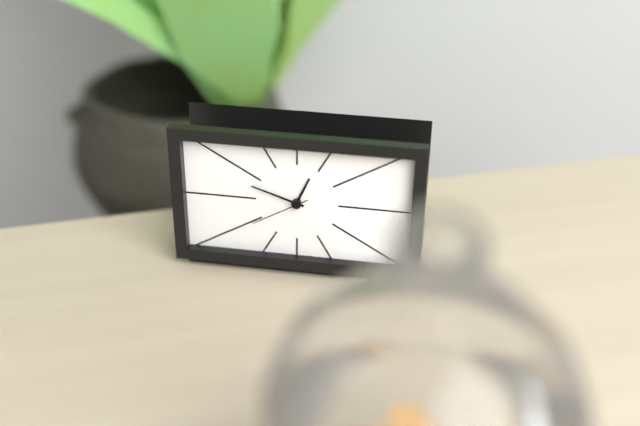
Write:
12,48,40
